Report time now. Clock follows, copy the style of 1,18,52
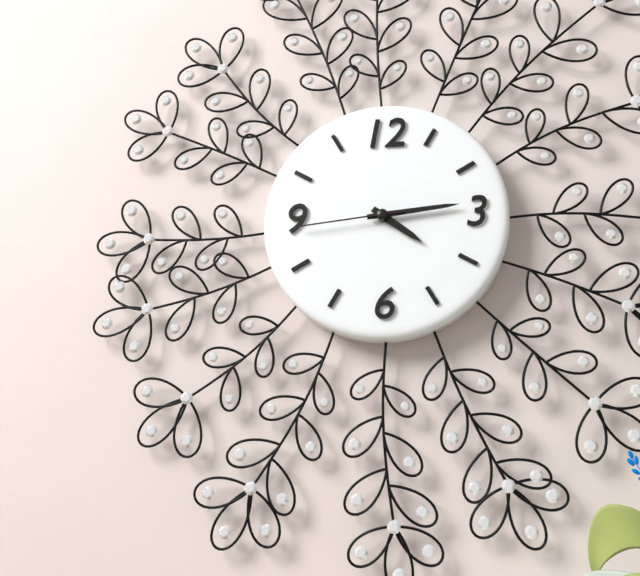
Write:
4,14,44
